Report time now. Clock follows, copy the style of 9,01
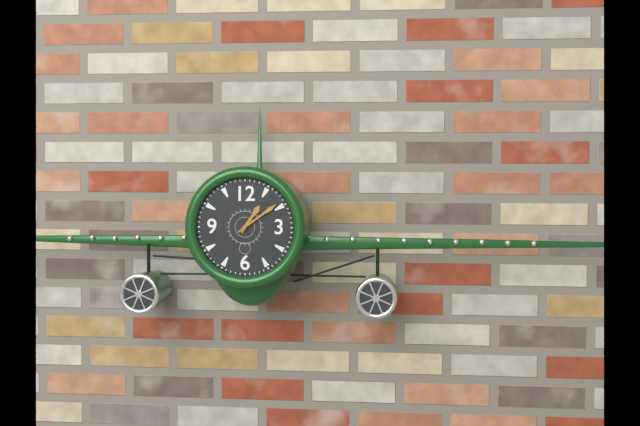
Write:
1,09
